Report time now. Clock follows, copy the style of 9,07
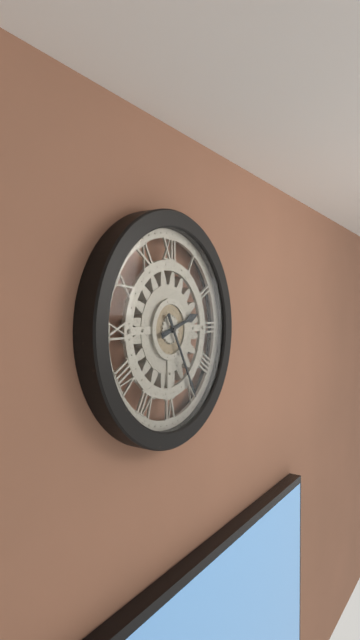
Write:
2,25
